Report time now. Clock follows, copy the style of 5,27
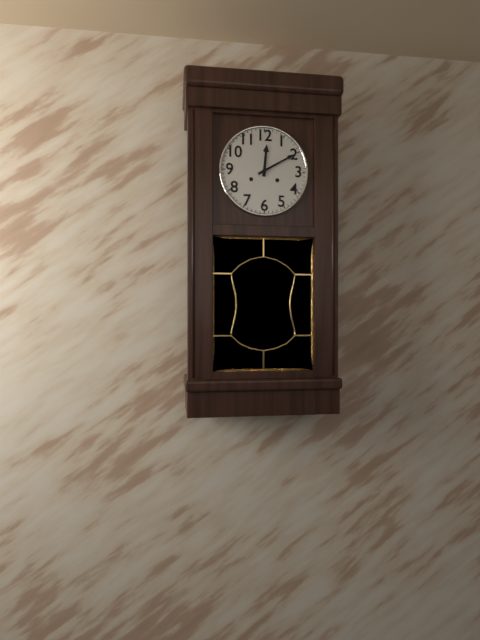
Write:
12,10
